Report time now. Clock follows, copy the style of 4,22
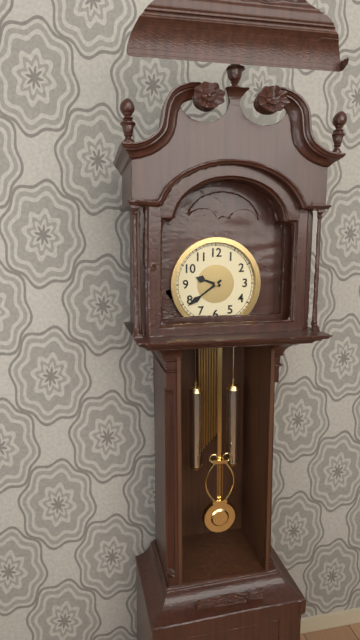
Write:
9,39
